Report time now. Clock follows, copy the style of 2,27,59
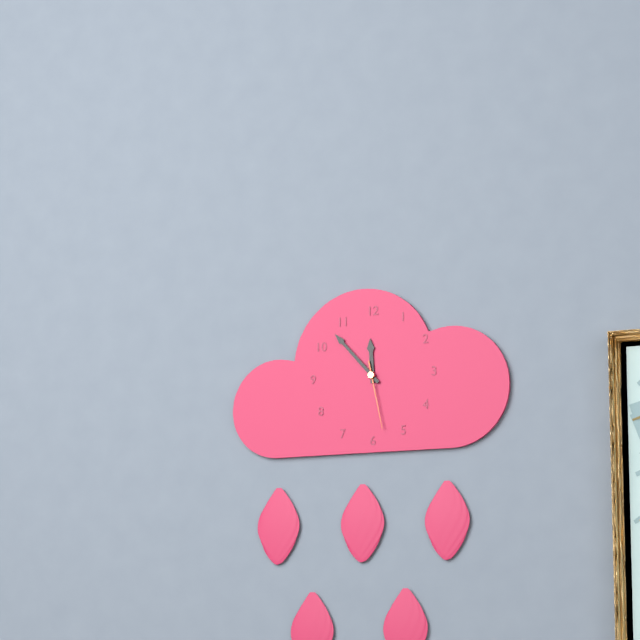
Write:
11,53,28
